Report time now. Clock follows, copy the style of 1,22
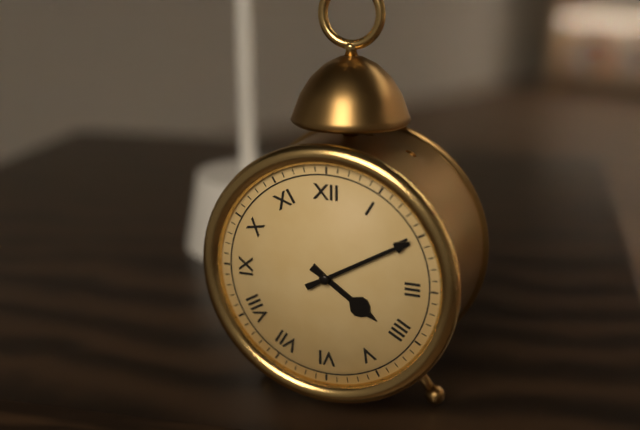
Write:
4,10
